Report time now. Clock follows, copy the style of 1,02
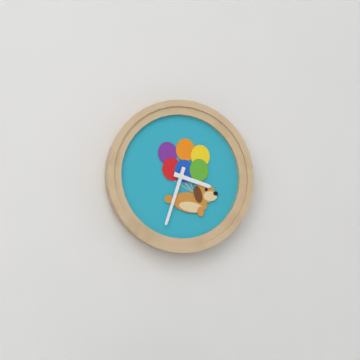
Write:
3,33
